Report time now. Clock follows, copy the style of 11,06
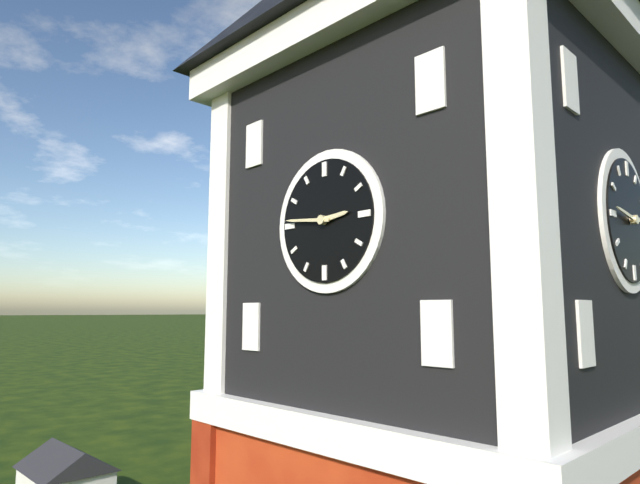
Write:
2,46
